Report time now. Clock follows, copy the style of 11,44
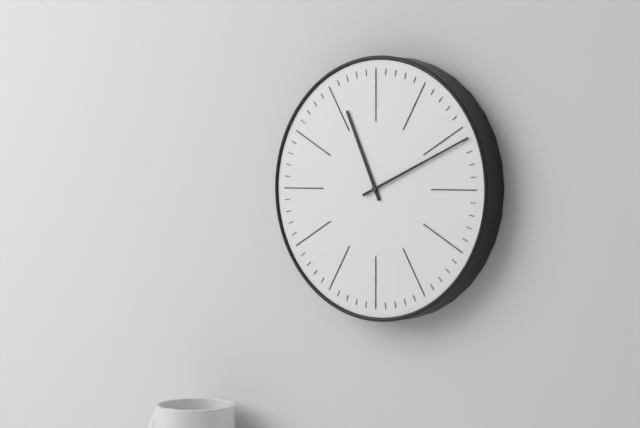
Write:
11,11
